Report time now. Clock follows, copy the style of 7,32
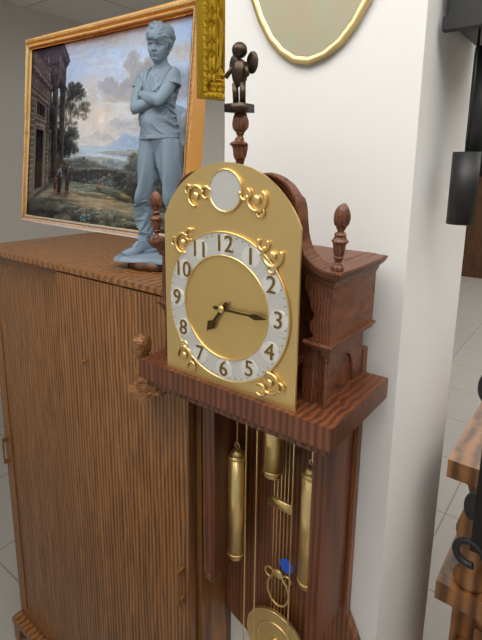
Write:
7,15
